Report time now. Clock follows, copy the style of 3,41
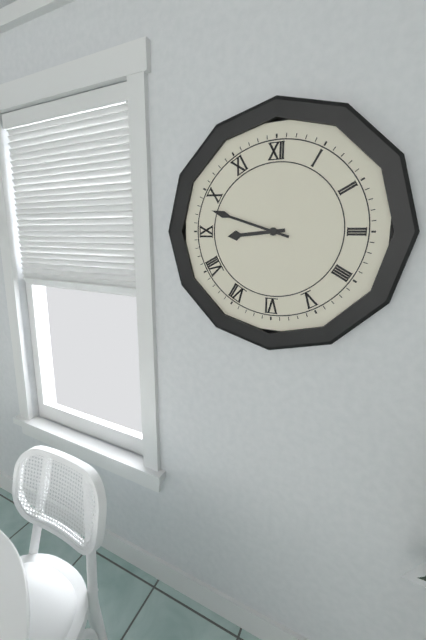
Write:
8,48
